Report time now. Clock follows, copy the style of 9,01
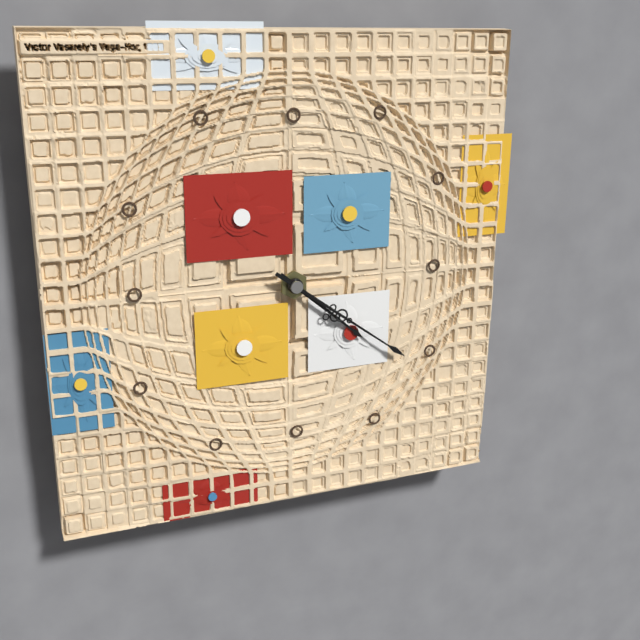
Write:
4,21
